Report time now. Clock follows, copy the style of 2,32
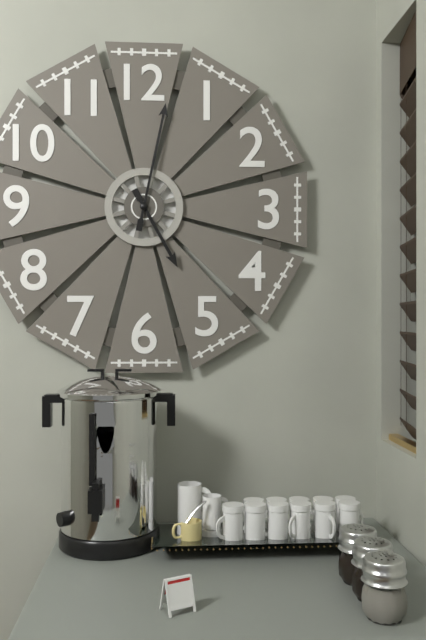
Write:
5,02
